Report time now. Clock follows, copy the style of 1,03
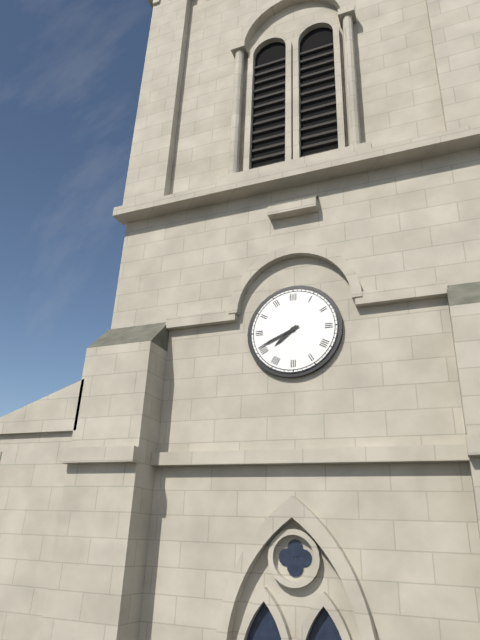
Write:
7,41
